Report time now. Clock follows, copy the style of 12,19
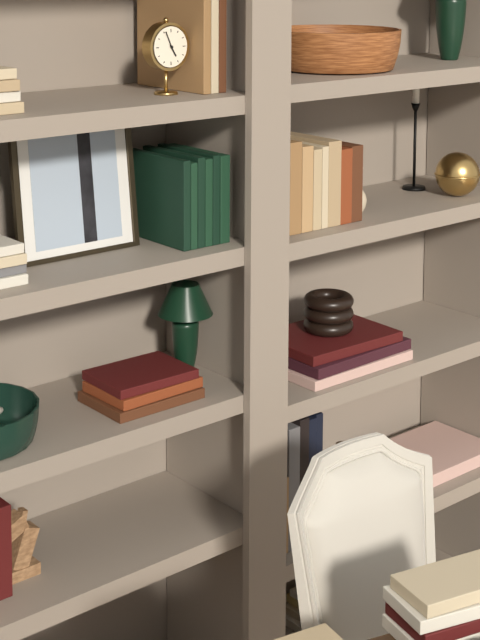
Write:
4,56
